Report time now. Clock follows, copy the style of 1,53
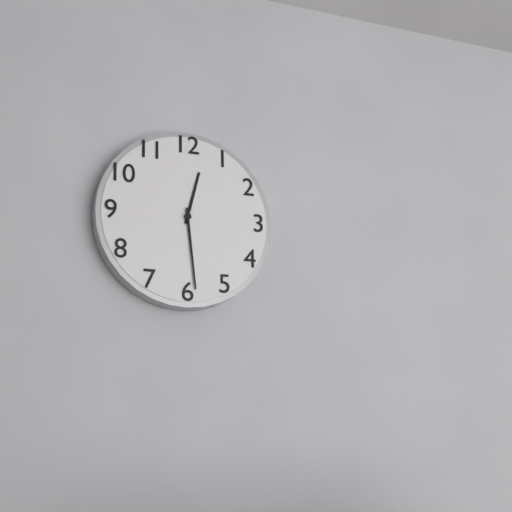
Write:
12,29
